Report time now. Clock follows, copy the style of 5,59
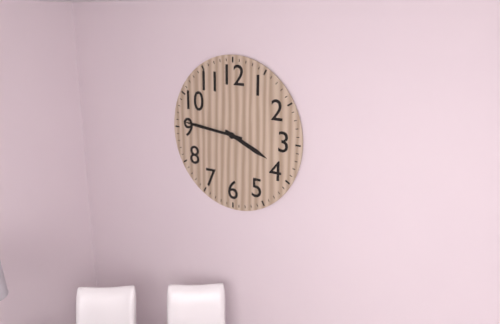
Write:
3,46
